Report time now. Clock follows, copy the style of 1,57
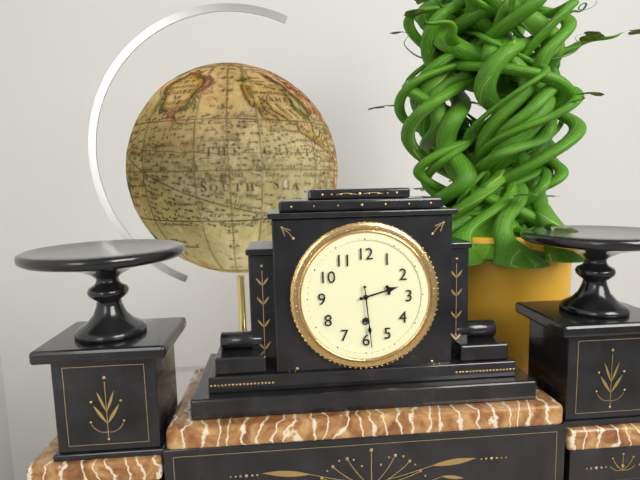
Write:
2,29
